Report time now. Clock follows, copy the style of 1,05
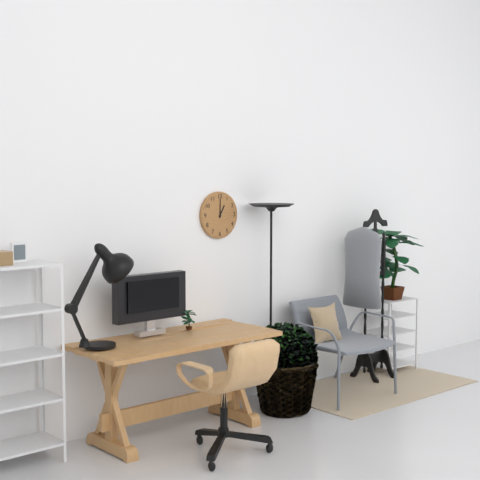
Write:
1,00
